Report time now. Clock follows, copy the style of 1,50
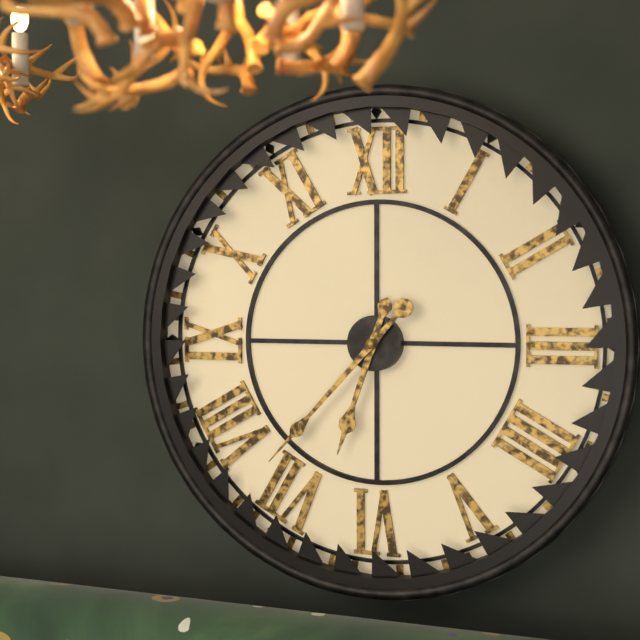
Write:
6,37
